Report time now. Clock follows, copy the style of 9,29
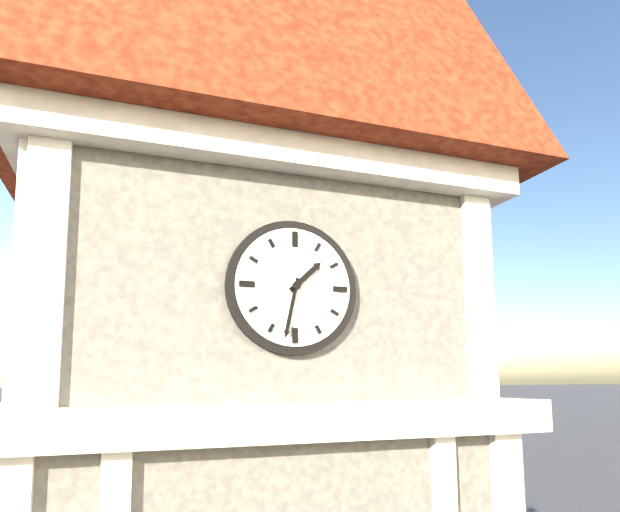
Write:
1,32
